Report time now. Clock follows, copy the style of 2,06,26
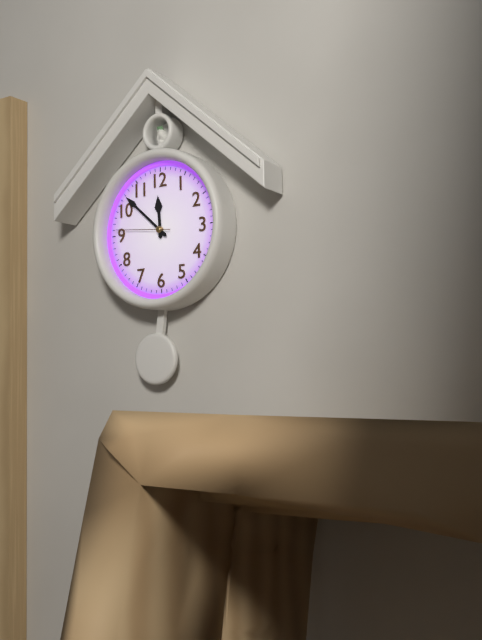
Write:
11,52,46
